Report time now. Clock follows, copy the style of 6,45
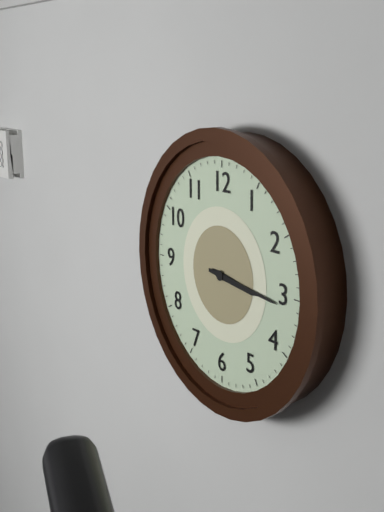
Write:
3,16
